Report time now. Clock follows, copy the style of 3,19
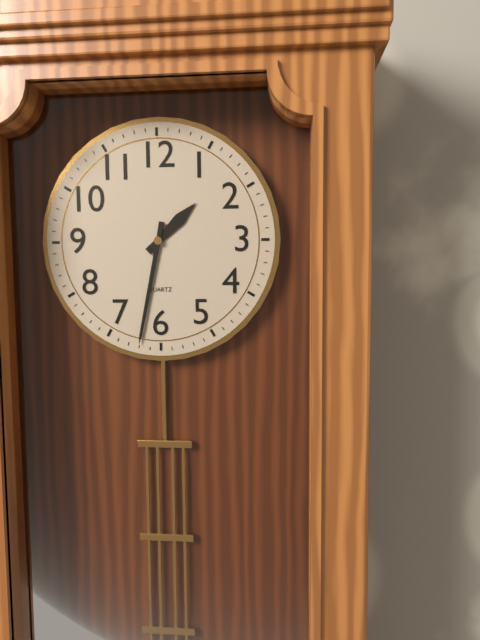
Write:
1,32
